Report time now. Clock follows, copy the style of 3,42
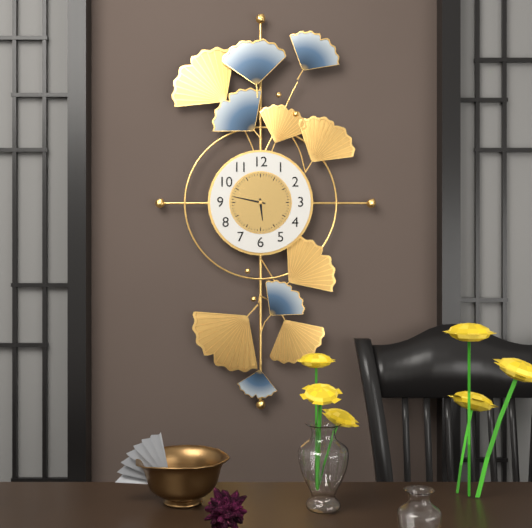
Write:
5,47
